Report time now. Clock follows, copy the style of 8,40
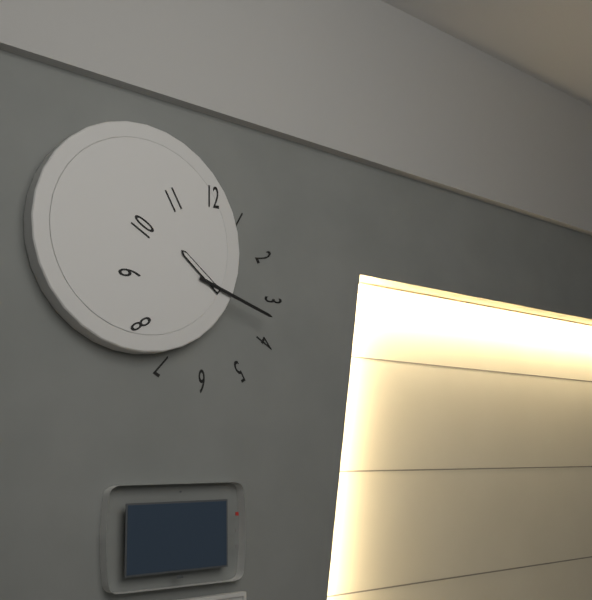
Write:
10,18
